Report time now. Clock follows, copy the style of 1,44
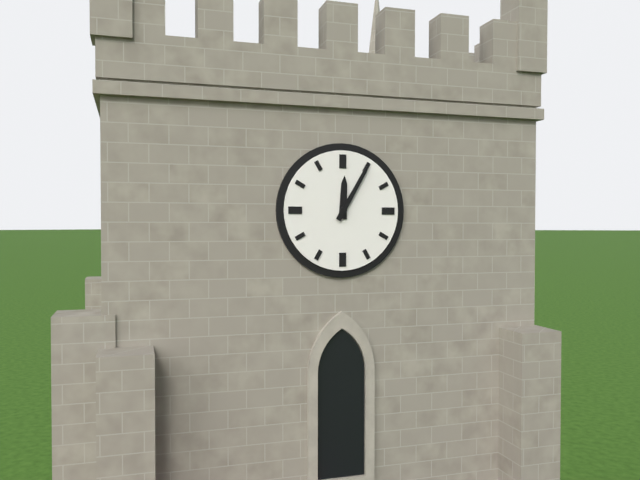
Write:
12,05
